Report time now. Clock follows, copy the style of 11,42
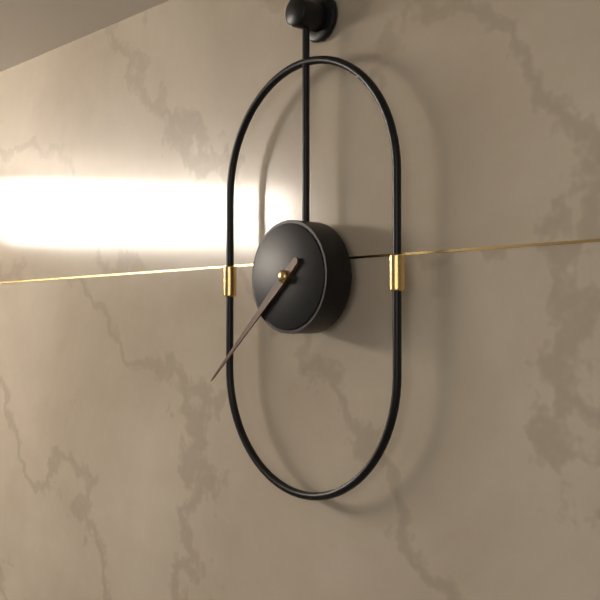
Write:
7,38
